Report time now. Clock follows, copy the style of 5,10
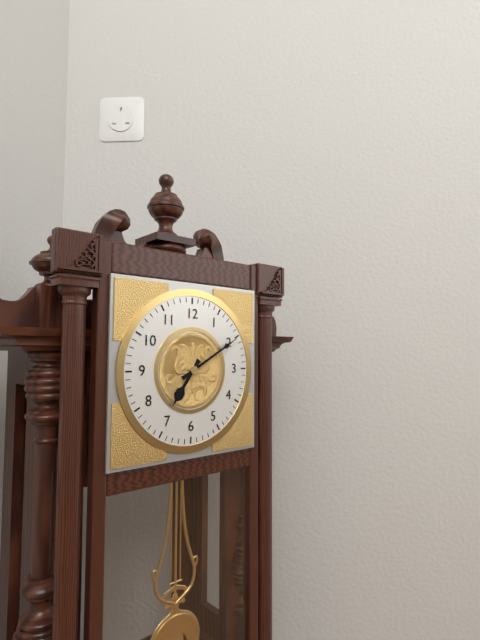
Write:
7,10
